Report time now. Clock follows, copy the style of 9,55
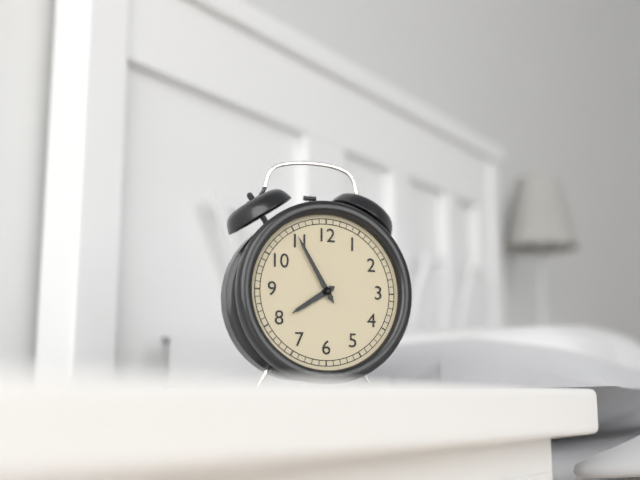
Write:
7,55
